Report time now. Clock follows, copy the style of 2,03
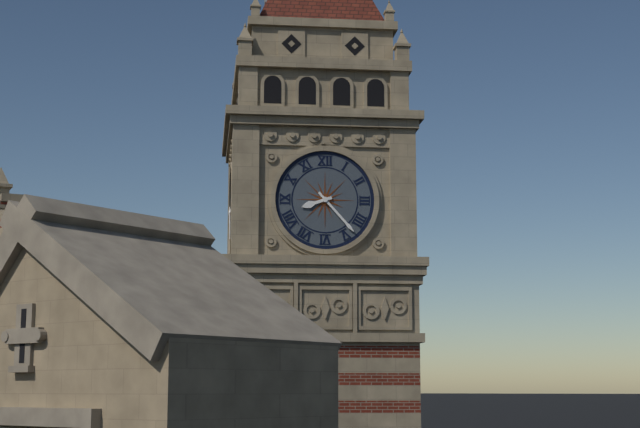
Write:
8,23
